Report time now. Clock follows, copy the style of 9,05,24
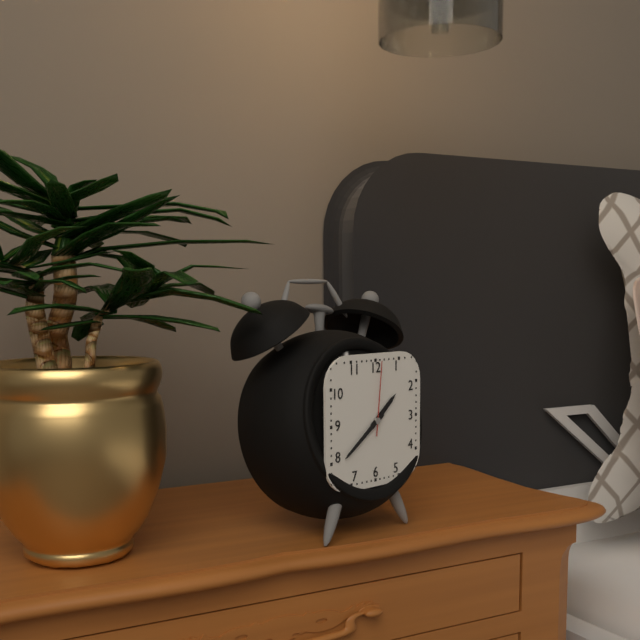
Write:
1,39,01
